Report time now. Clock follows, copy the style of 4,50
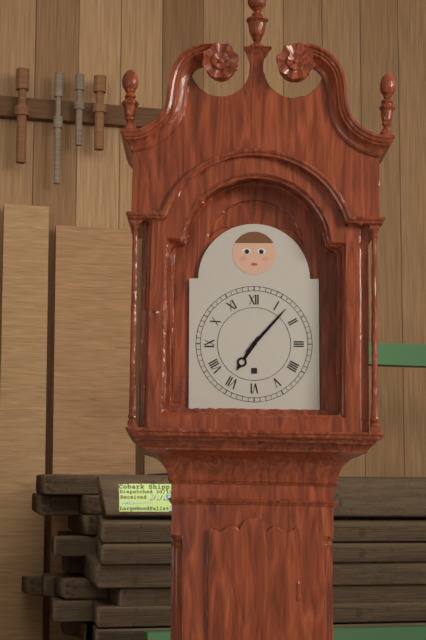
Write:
7,07
